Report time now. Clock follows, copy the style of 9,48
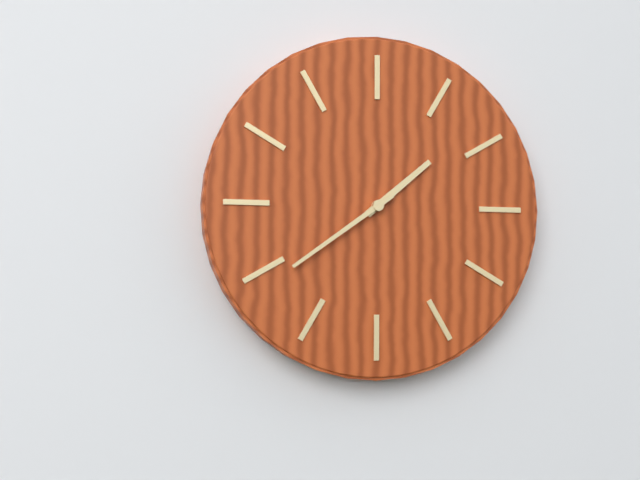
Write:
1,39
